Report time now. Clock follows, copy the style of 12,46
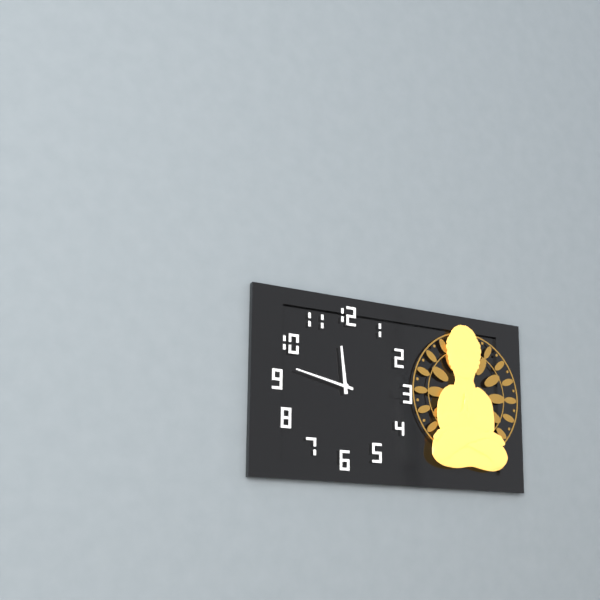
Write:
11,47
